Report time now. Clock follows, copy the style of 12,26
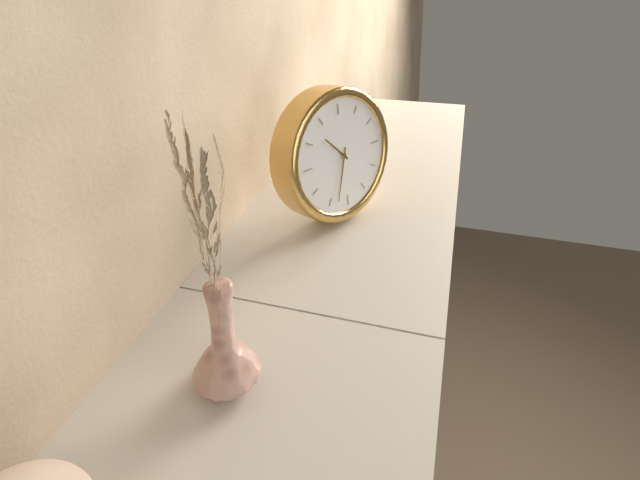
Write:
10,33
